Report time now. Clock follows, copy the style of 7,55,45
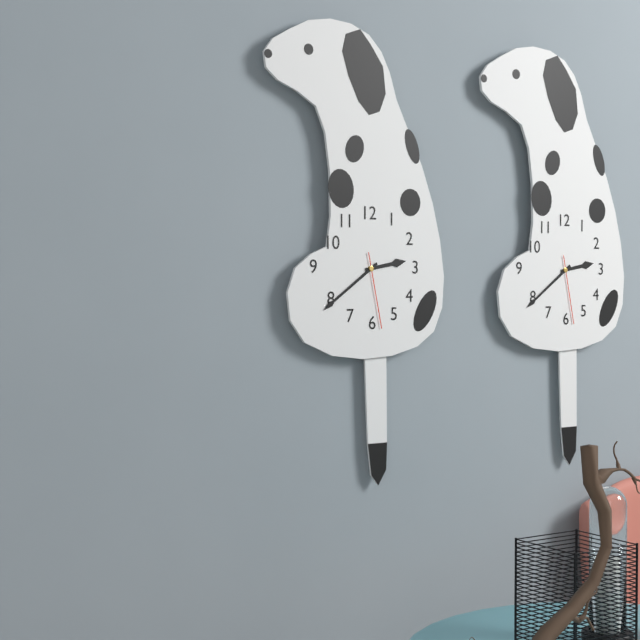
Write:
2,39,28
